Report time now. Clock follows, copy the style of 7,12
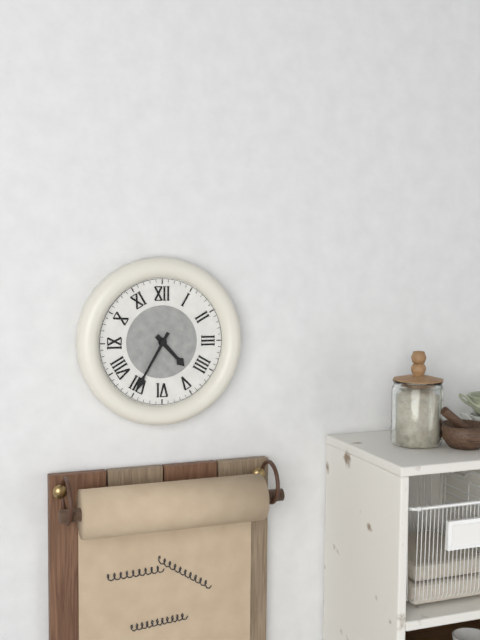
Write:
4,35
